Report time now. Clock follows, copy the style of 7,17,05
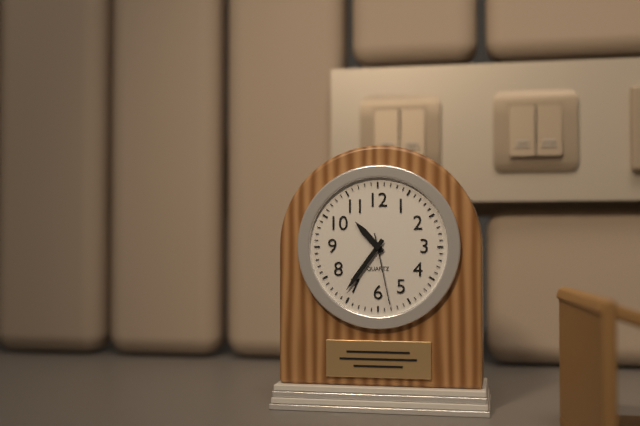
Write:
10,36,28
